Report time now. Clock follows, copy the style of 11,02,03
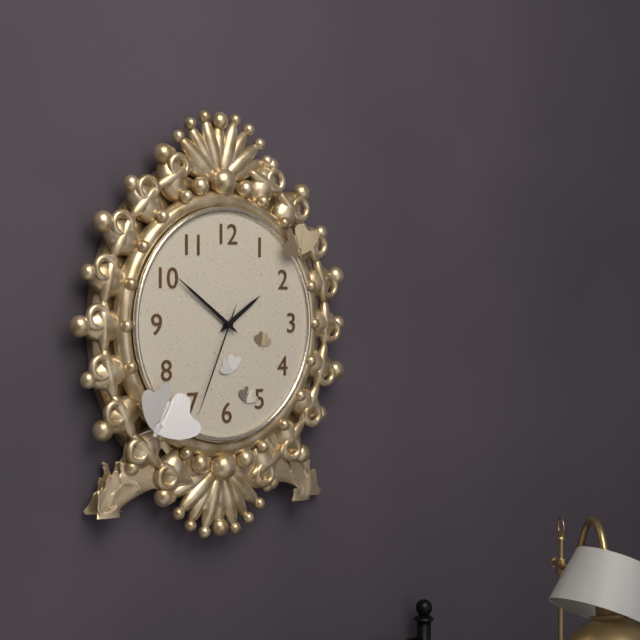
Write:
1,51,34
